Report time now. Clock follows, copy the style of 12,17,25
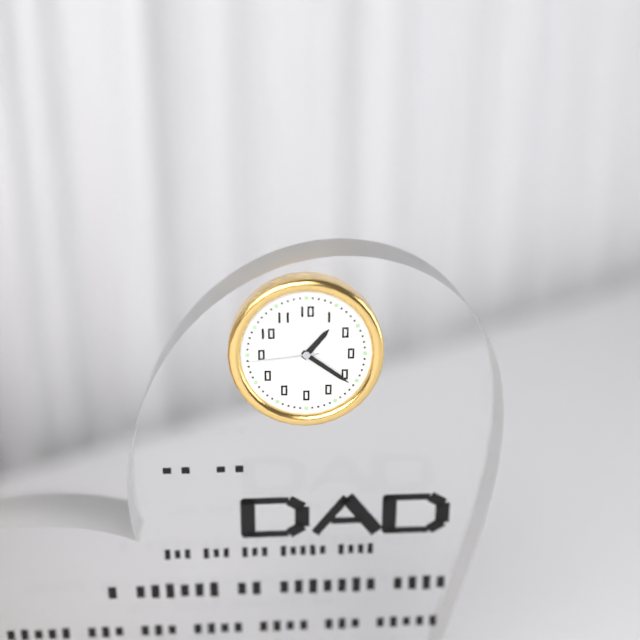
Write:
1,21,44
